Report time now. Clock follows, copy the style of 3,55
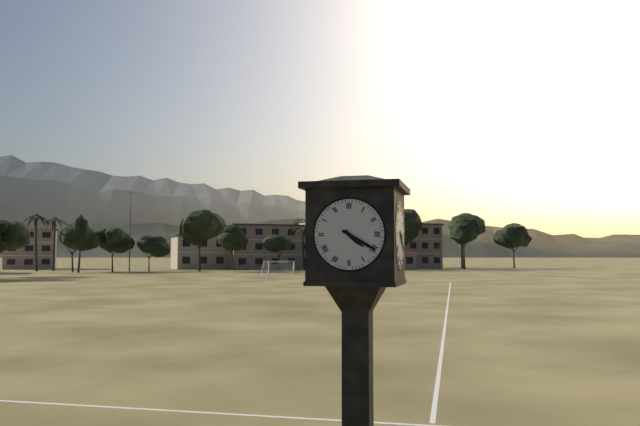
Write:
4,20
